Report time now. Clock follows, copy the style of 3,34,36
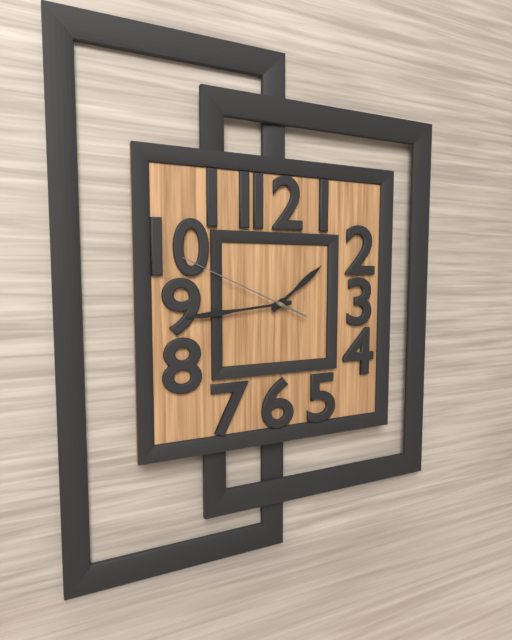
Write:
1,44,49
